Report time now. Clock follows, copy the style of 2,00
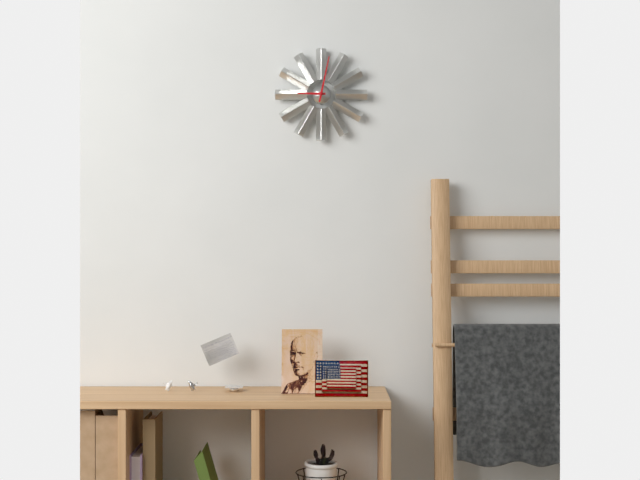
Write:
9,02
